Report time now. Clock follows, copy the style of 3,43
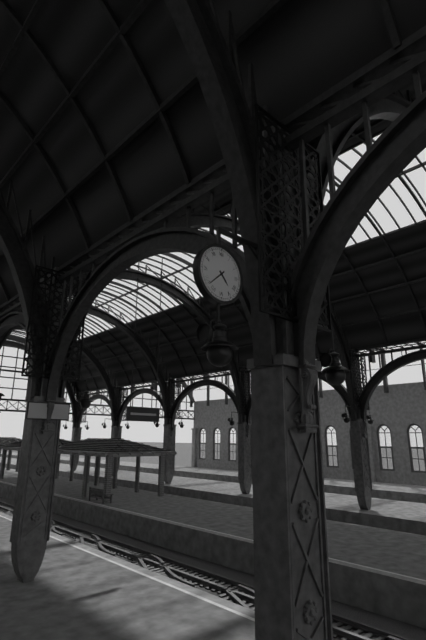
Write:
4,38
